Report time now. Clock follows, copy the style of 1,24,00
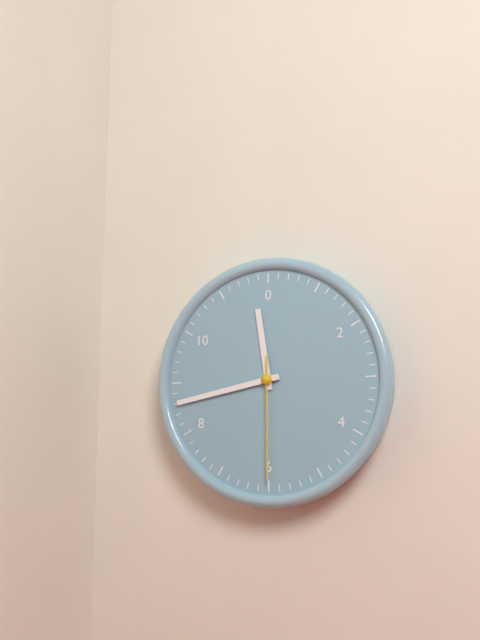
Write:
11,43,30
